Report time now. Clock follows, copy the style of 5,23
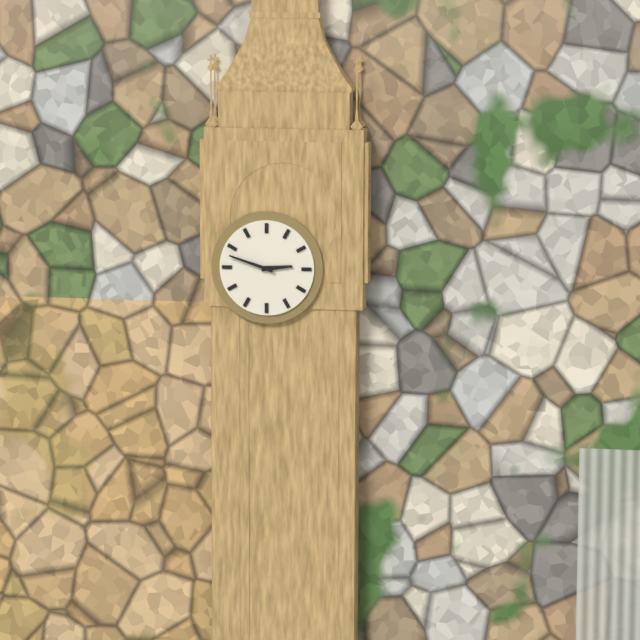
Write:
2,48
